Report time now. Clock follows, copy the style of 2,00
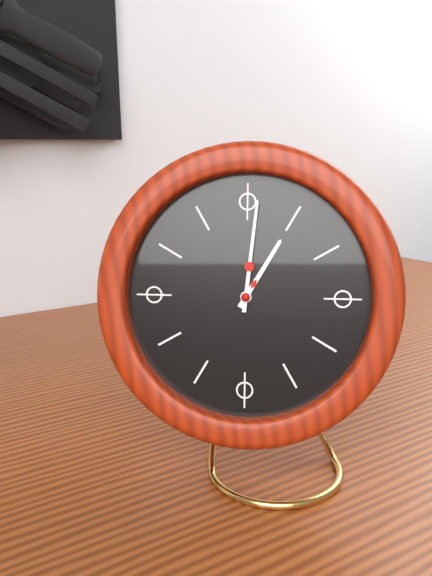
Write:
1,01
